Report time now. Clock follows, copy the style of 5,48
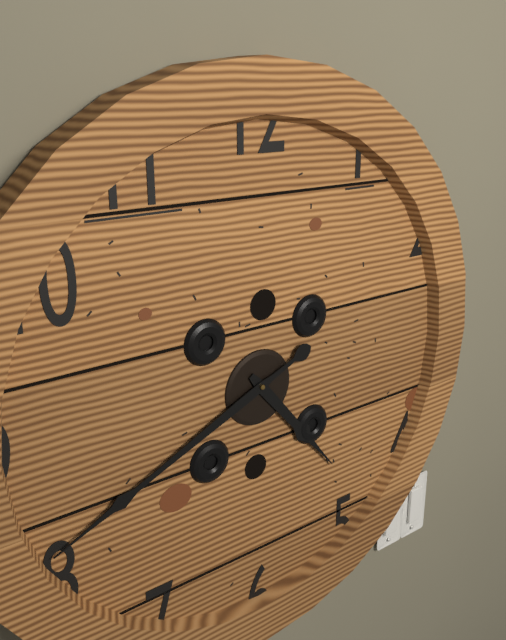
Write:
4,41
